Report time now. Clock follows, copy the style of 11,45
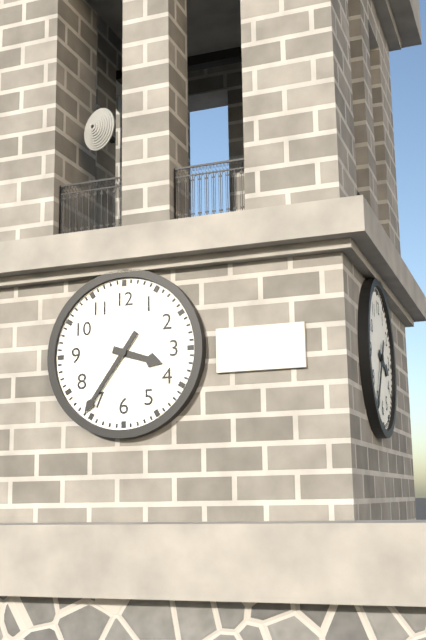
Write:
3,36
